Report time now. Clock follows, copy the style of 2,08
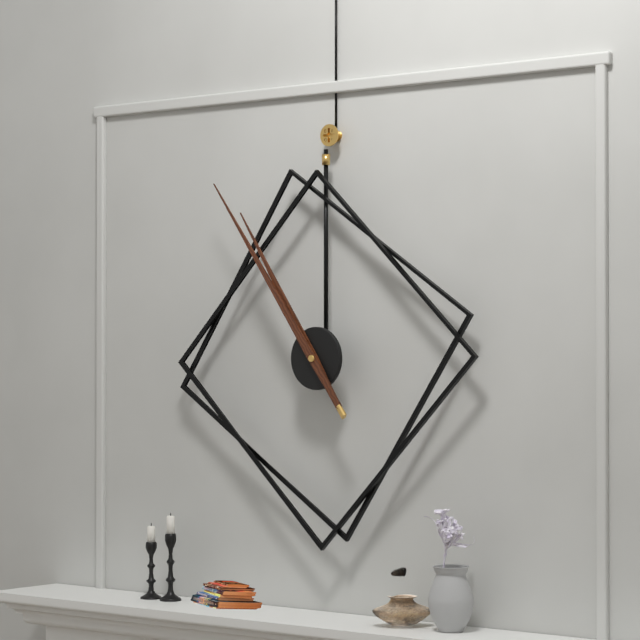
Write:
10,54
